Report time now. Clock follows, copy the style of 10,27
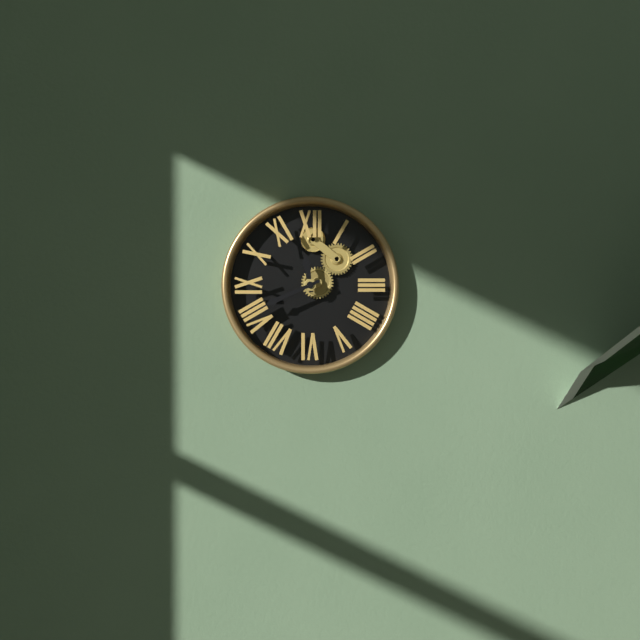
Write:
11,41
